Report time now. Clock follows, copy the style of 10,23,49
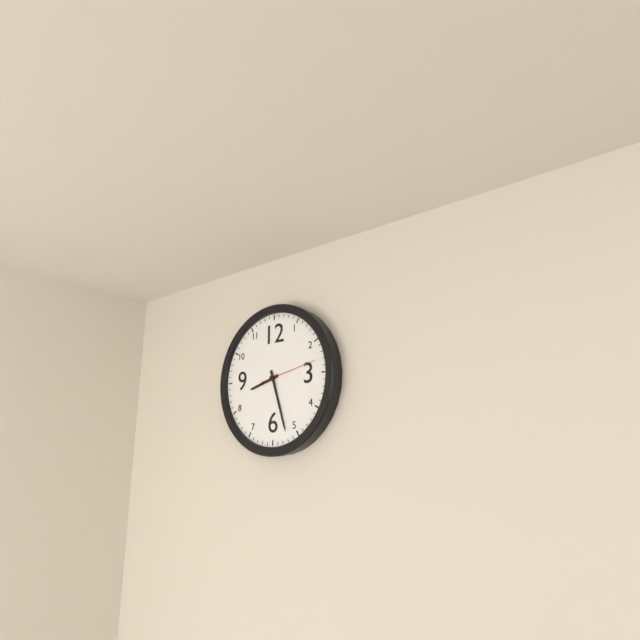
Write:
8,27,13
